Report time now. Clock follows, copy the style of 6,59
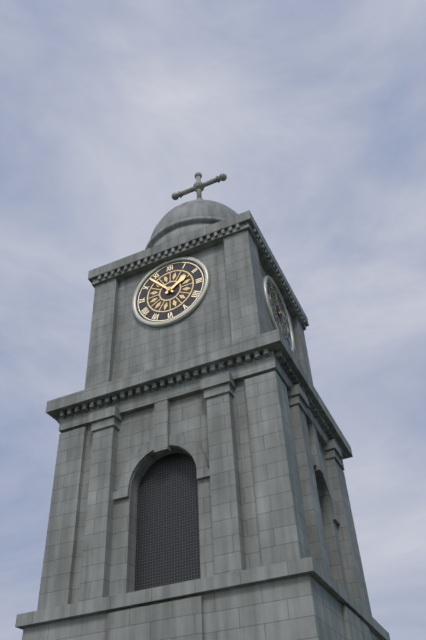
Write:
1,53
